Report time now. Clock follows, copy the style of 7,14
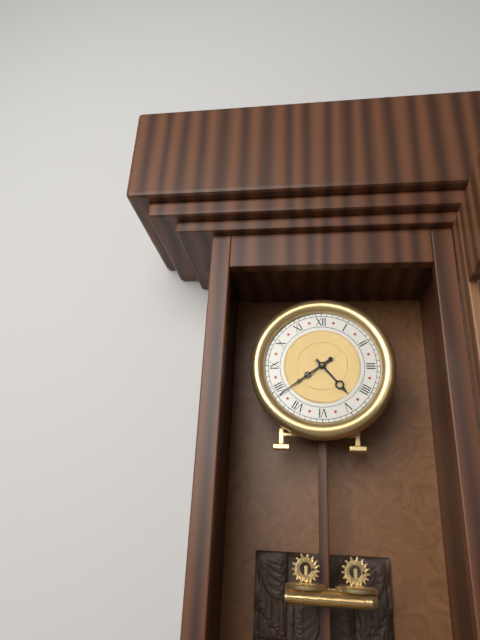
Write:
4,39
